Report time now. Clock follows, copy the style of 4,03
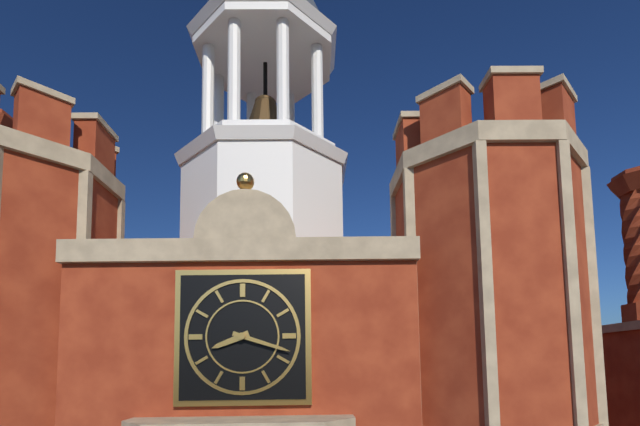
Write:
8,18
